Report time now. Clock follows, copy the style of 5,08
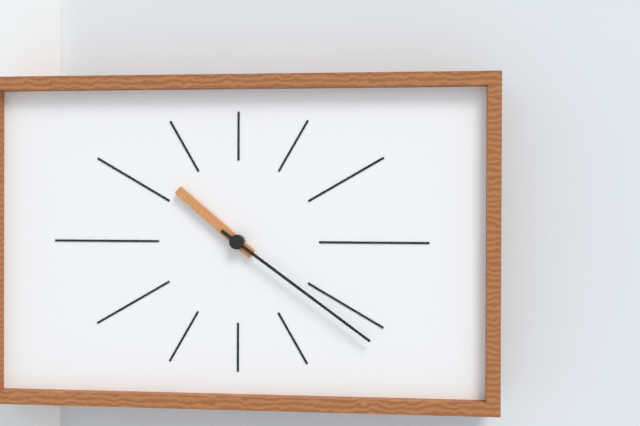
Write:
10,21
